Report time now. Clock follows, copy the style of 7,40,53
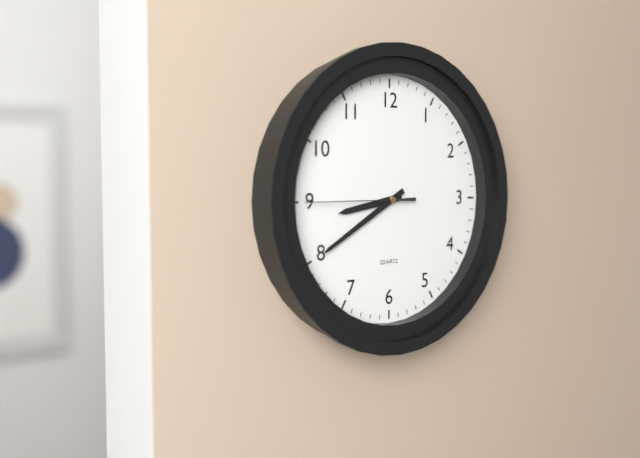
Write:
8,40,45
